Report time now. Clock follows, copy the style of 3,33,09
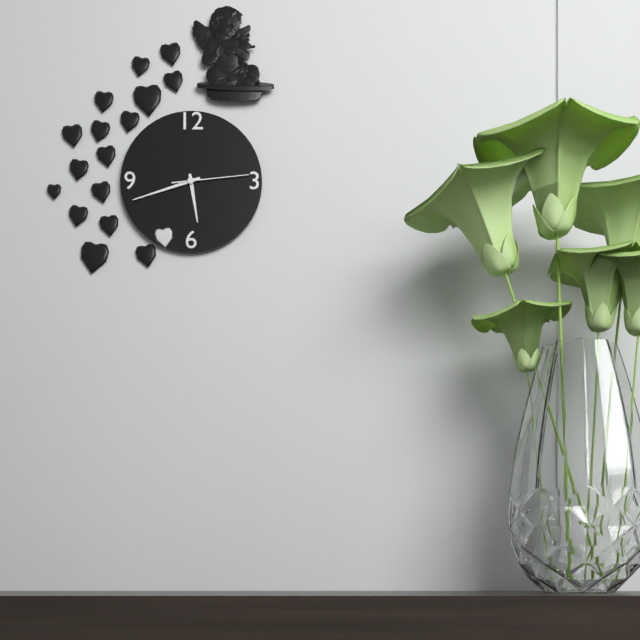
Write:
5,42,14
